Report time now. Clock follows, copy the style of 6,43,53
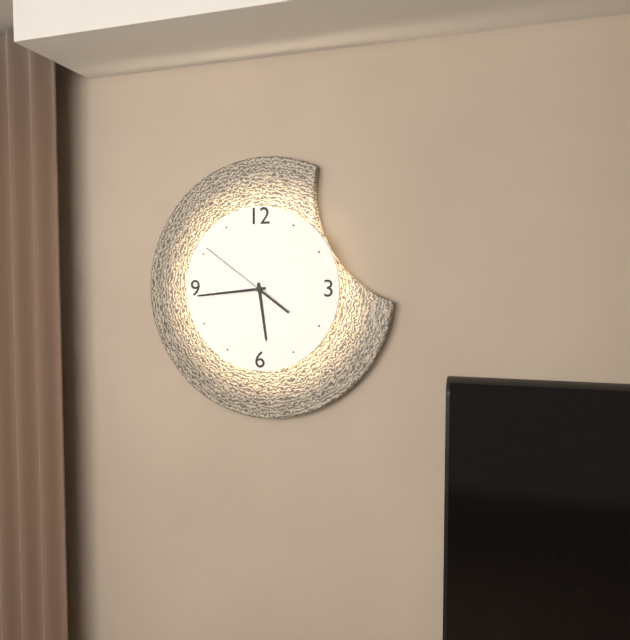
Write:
5,44,51
